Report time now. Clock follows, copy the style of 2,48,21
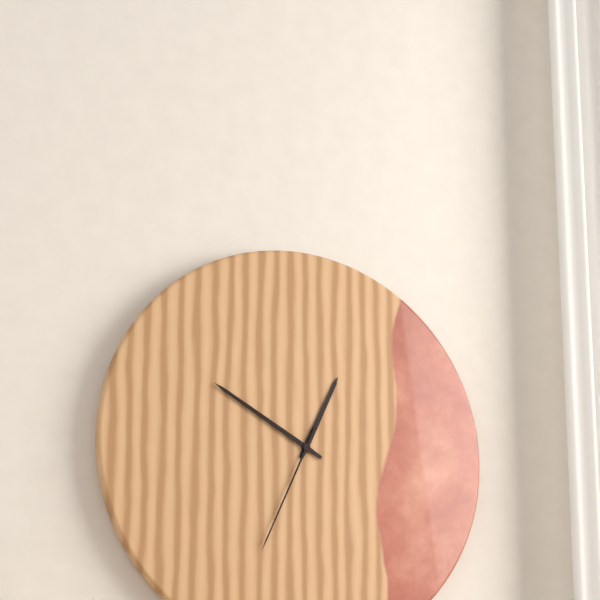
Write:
12,50,34
